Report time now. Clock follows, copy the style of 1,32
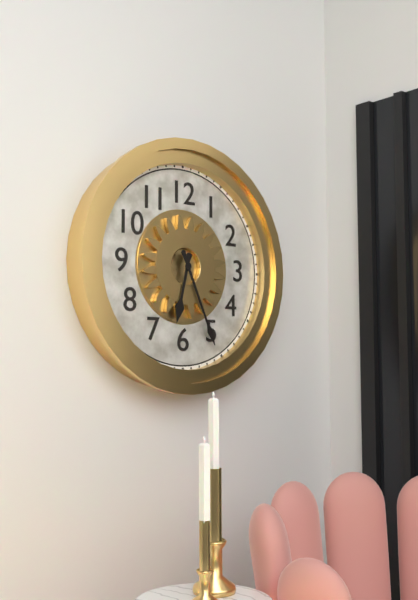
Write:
6,26
